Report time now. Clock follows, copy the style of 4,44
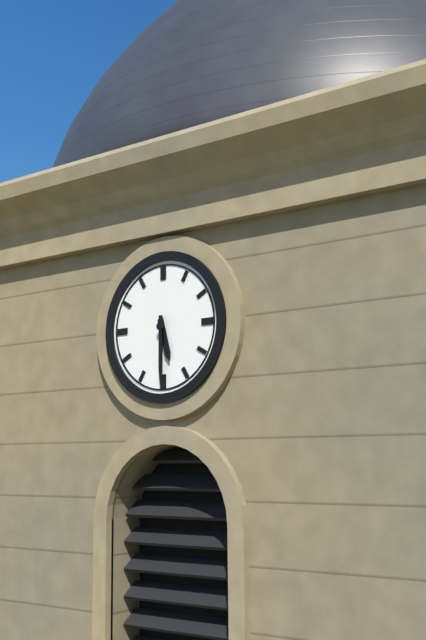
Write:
5,30
